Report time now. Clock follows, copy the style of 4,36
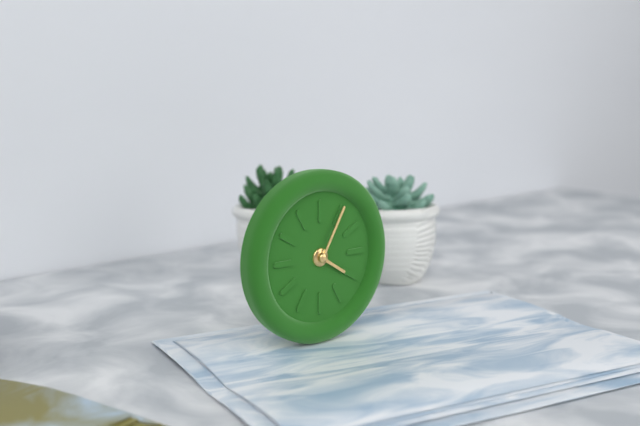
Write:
4,05
